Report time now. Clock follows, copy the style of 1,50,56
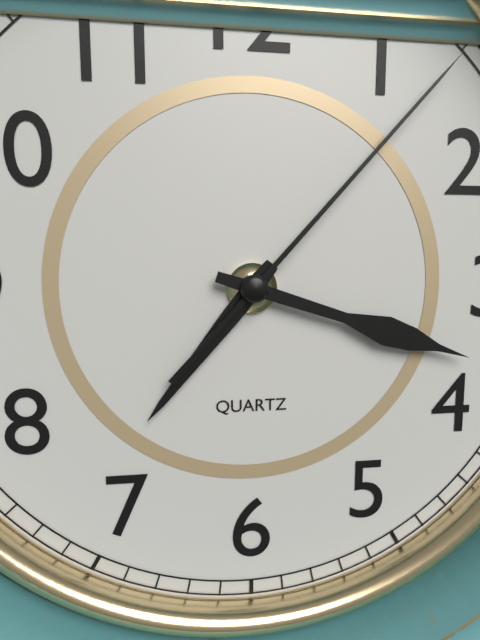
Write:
7,18,07
